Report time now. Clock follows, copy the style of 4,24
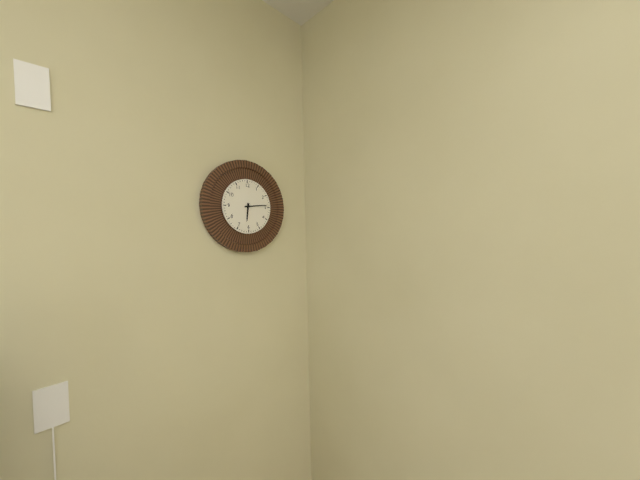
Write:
6,14
